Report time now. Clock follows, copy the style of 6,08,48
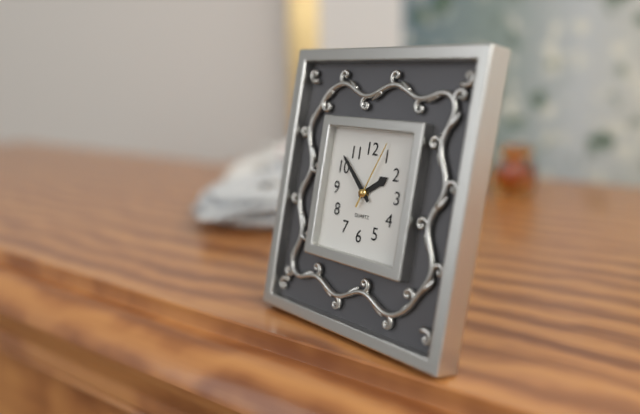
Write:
1,52,04
